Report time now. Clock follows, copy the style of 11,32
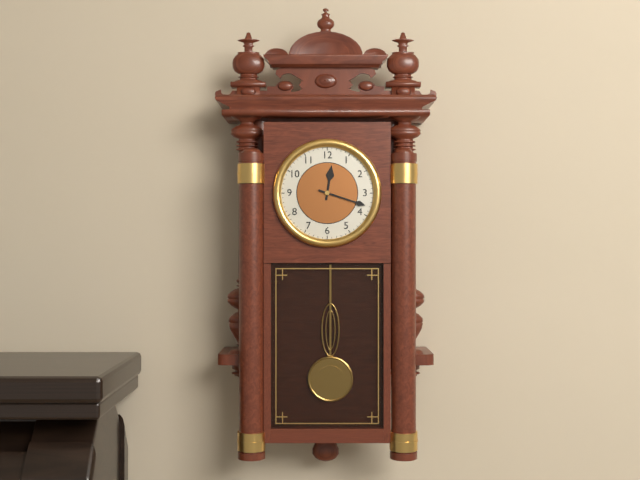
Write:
12,18
